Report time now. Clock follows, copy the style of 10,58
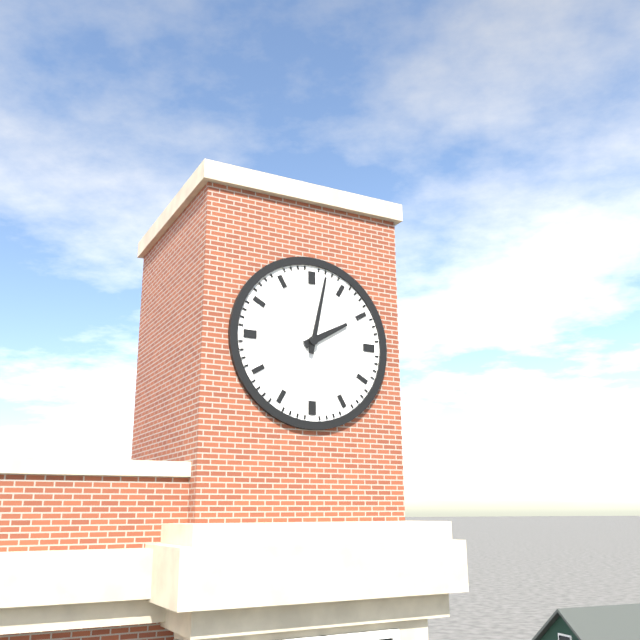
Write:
2,02
